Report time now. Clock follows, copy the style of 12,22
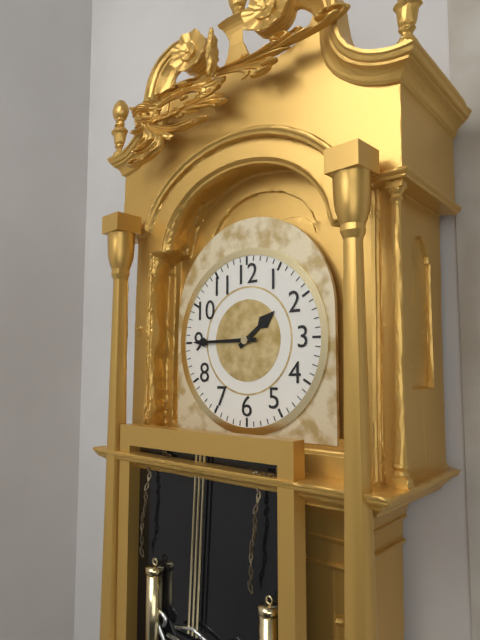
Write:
1,45
